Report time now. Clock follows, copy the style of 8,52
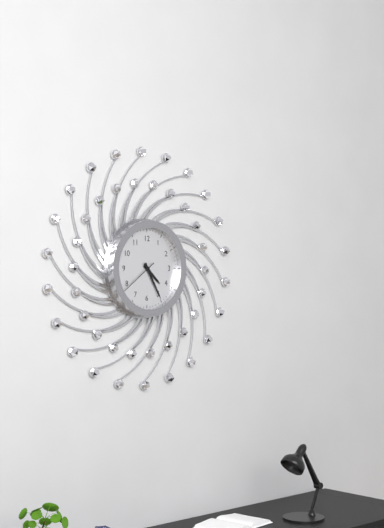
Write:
4,25
